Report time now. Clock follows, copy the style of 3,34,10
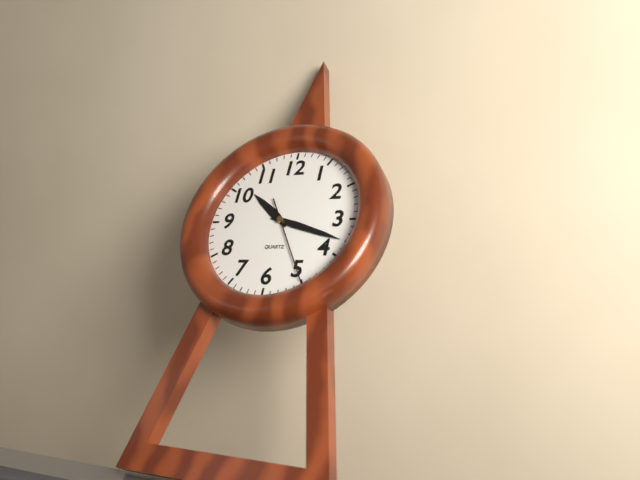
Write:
10,18,25
